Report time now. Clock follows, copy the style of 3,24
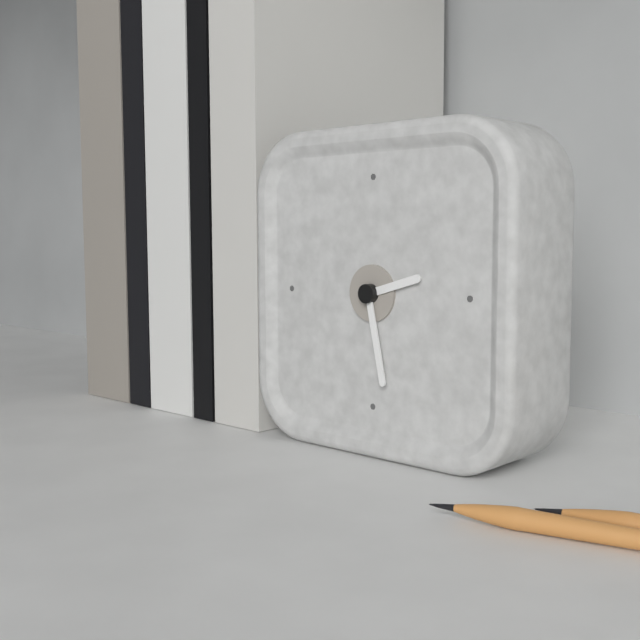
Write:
2,28
